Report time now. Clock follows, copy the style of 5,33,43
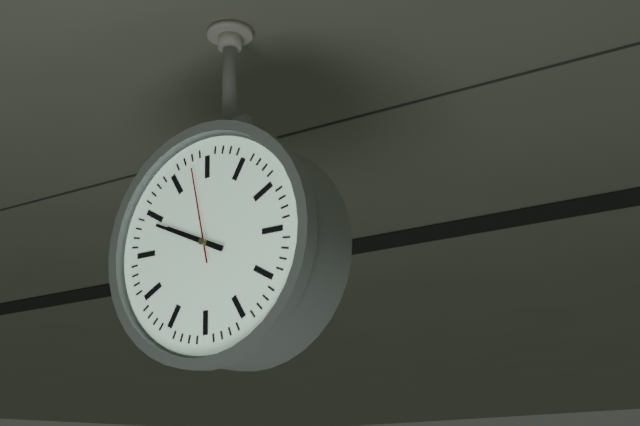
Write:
9,49,58
